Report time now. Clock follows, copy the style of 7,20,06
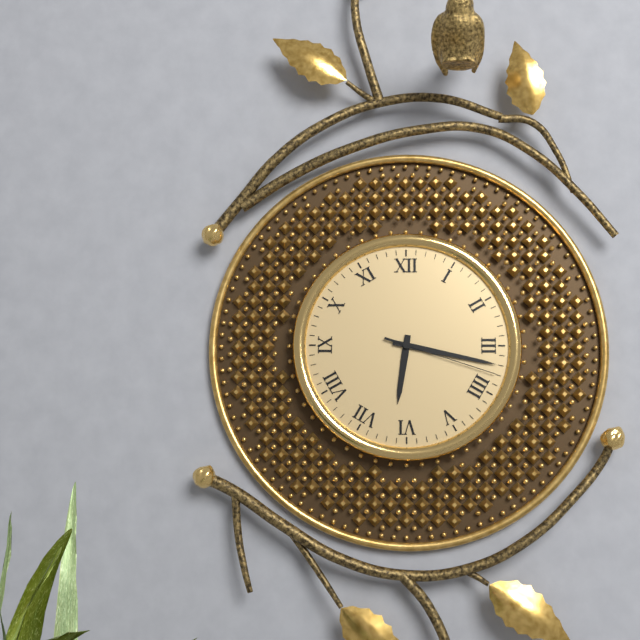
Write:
6,17,18
